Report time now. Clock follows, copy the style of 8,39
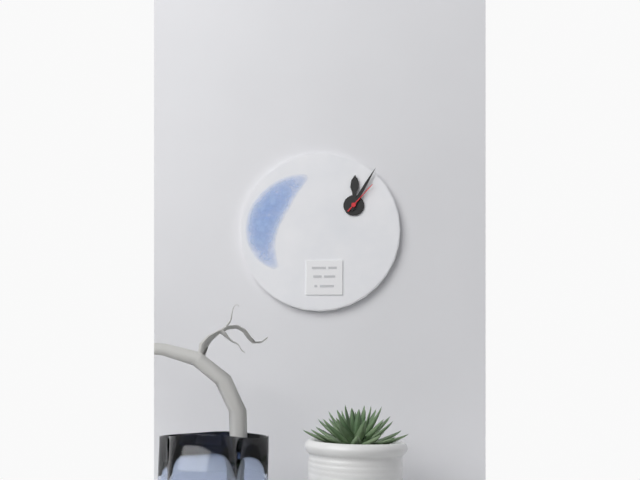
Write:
12,05
